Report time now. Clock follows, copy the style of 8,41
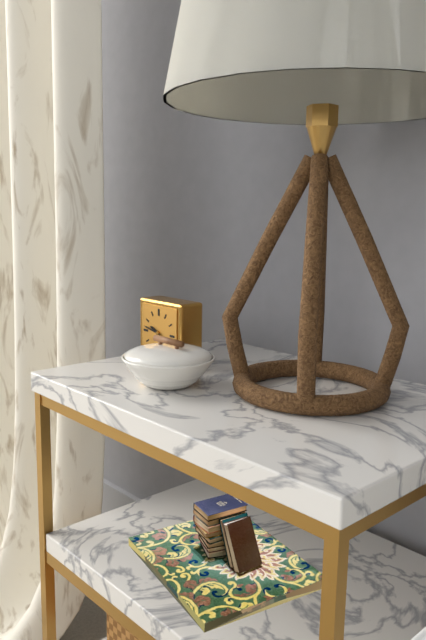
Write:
9,47
